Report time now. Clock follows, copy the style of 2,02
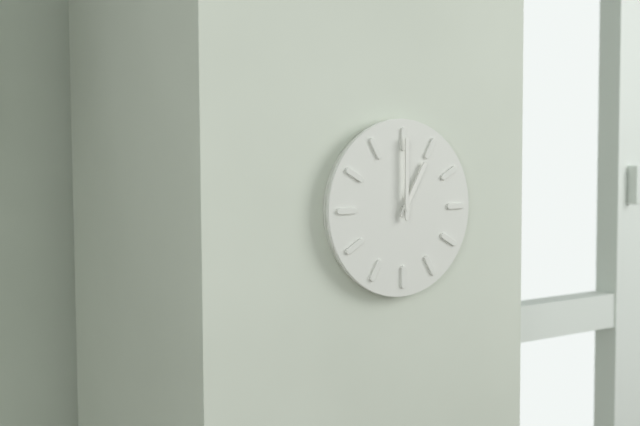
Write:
1,00
